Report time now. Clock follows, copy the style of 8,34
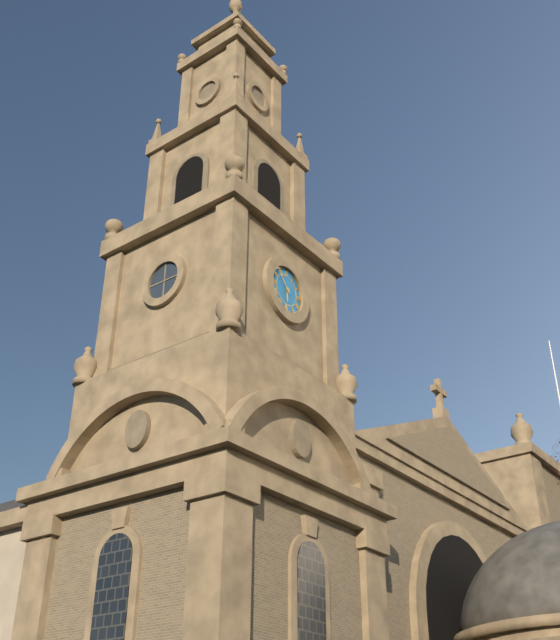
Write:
5,53
